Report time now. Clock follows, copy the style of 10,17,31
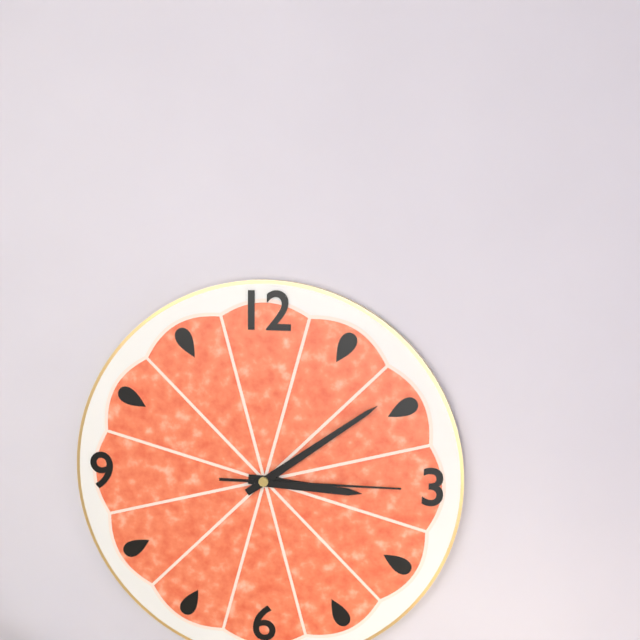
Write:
3,09,15
